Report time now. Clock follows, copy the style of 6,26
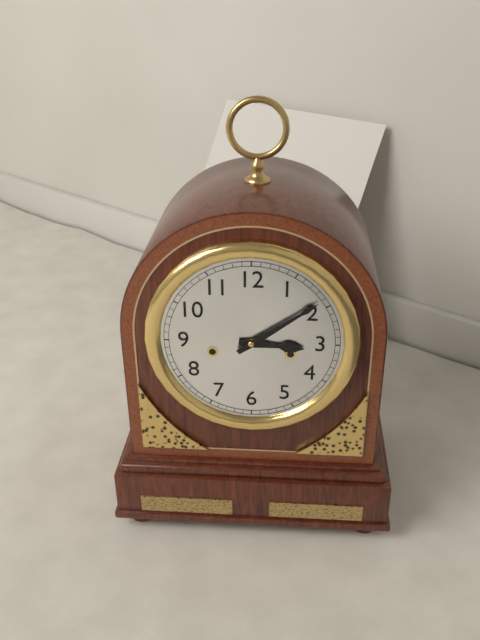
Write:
3,09
